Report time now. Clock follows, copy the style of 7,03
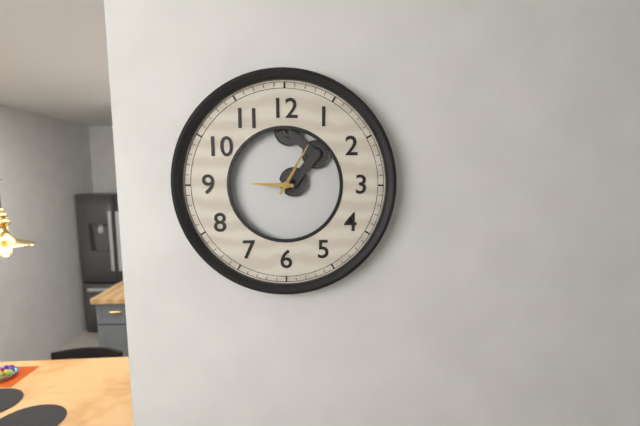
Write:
9,05
